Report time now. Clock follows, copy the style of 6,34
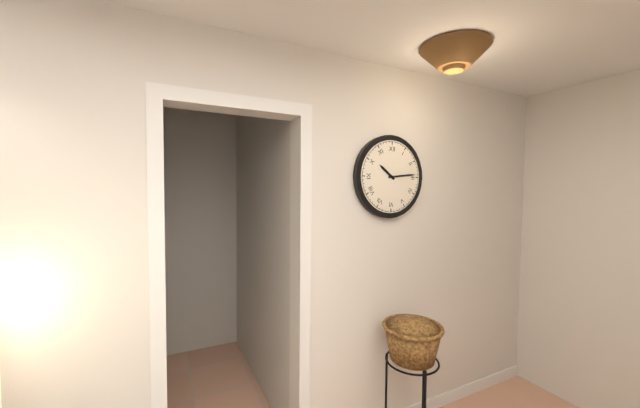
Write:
10,14
